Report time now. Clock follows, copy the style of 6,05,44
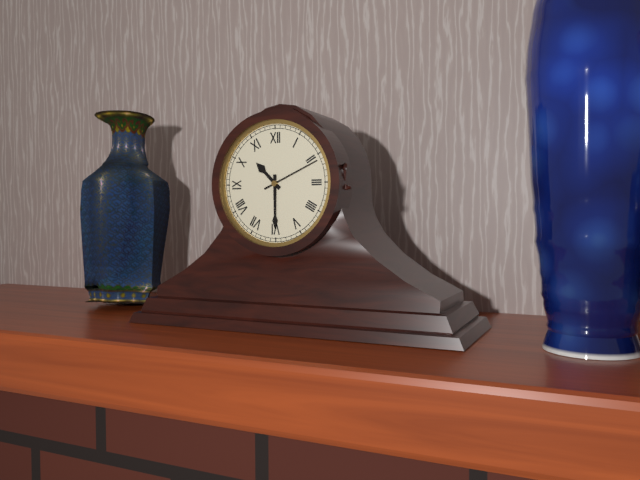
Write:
10,30,11
